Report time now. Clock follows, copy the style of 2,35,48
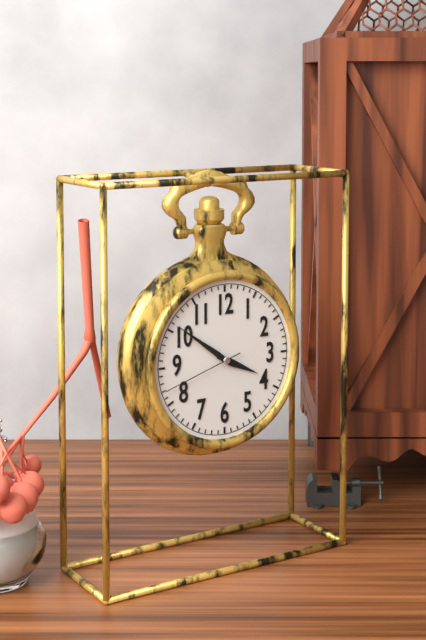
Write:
3,51,42
